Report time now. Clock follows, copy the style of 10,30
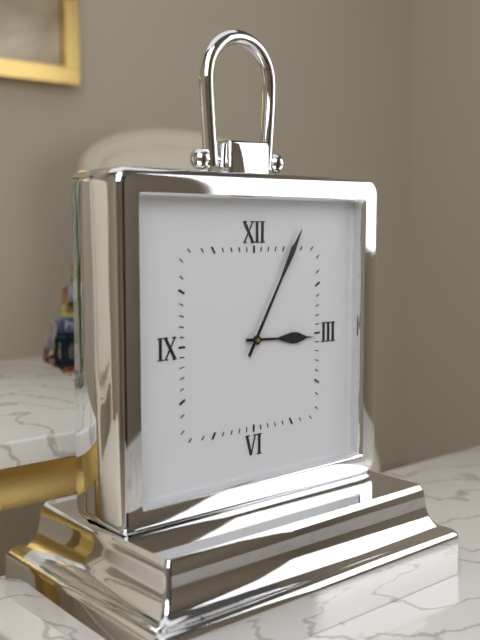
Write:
3,05
